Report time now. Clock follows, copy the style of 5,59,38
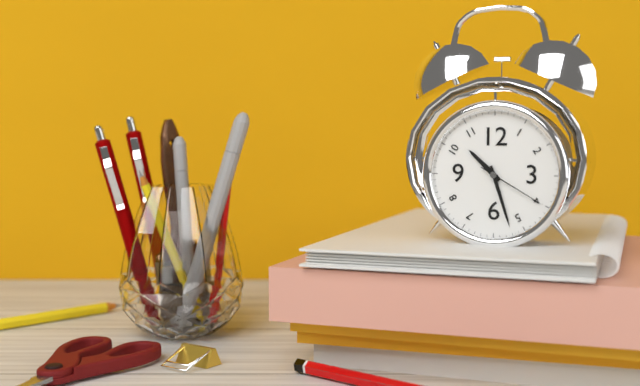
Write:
10,27,20
